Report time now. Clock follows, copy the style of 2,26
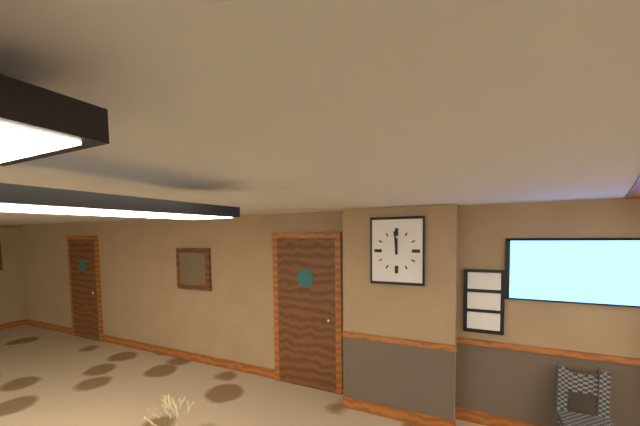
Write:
11,59
